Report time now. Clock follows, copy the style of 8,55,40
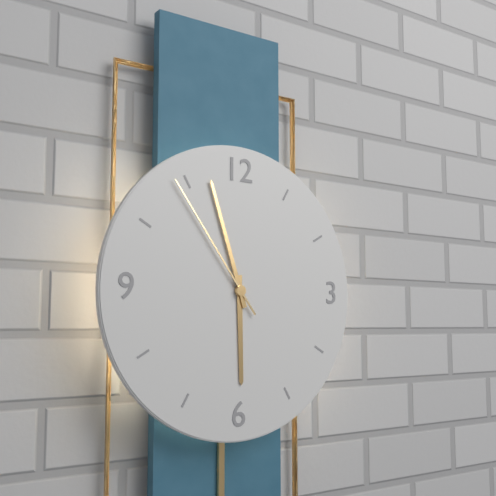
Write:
5,57,54
